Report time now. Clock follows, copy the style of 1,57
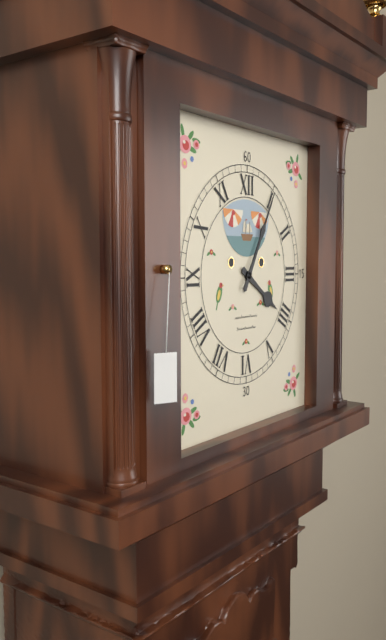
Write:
4,05
